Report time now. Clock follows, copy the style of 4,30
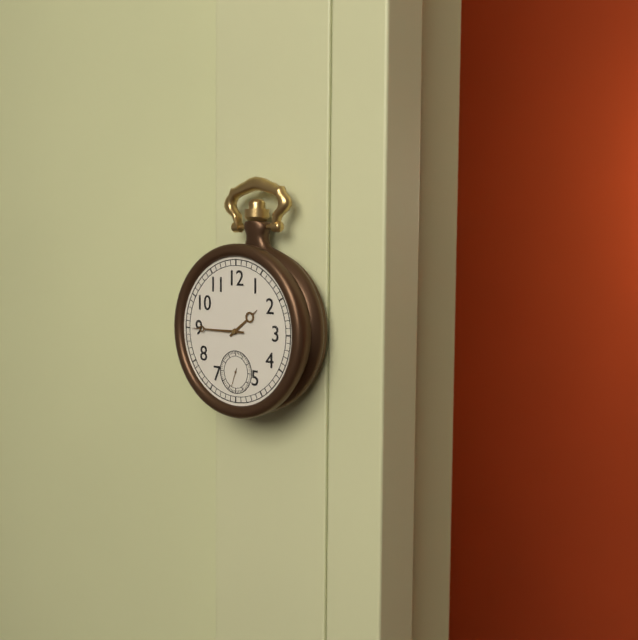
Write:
1,45
